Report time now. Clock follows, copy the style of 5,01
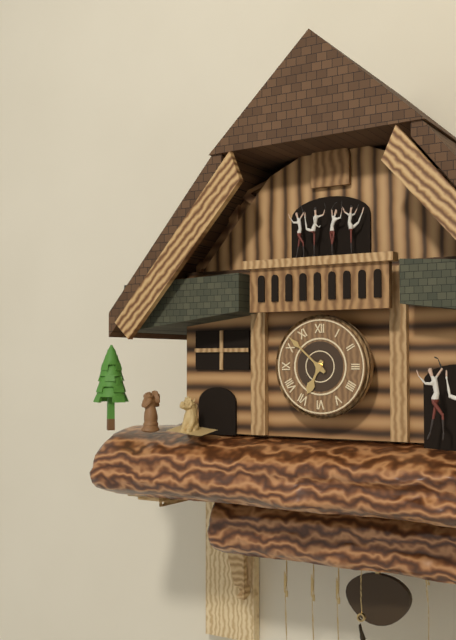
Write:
6,52
